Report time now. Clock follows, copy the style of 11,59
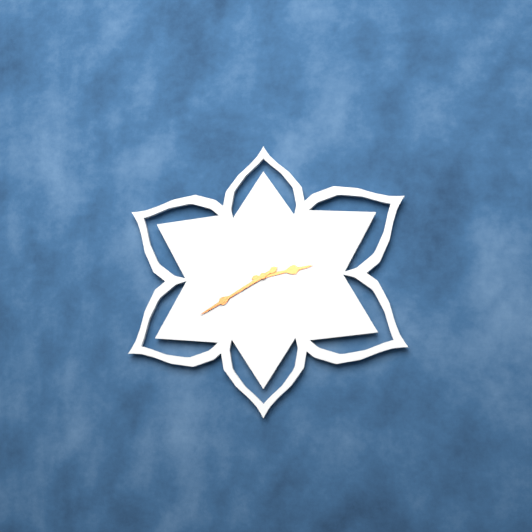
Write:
2,40
